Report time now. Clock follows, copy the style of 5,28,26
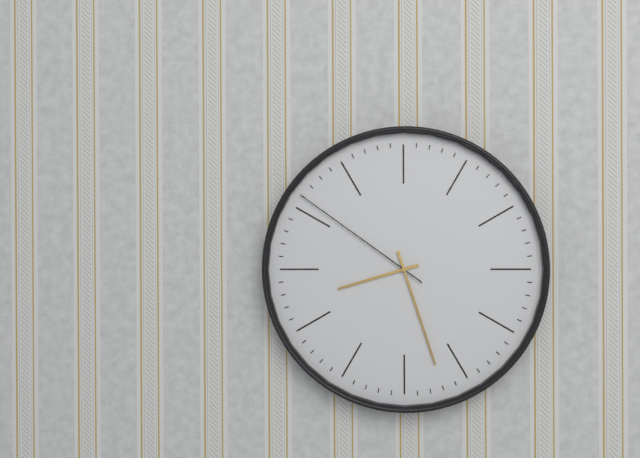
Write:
8,27,51
